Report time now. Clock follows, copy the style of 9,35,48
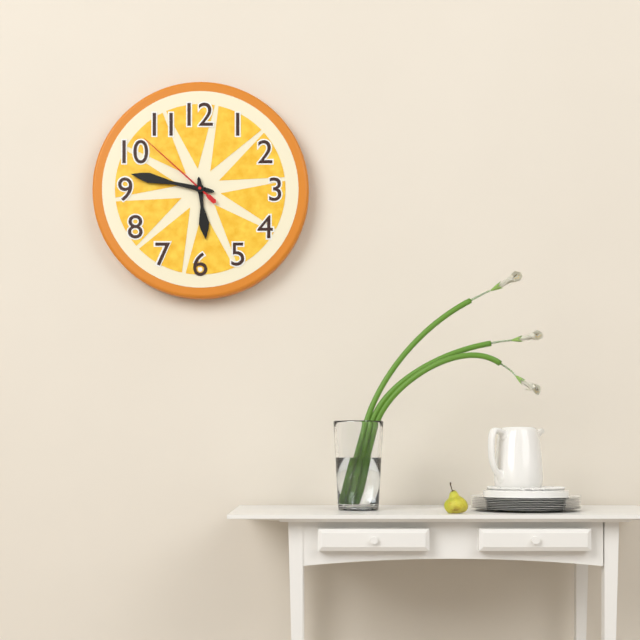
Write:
5,47,52
